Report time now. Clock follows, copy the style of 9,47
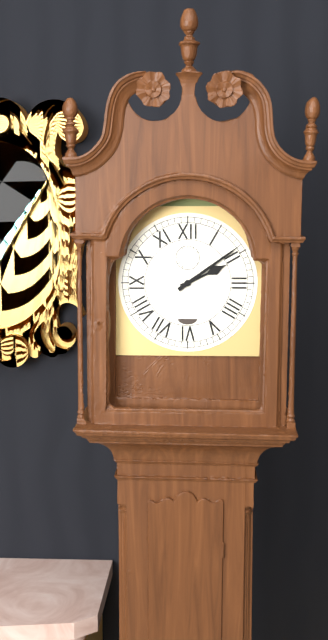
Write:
2,09
